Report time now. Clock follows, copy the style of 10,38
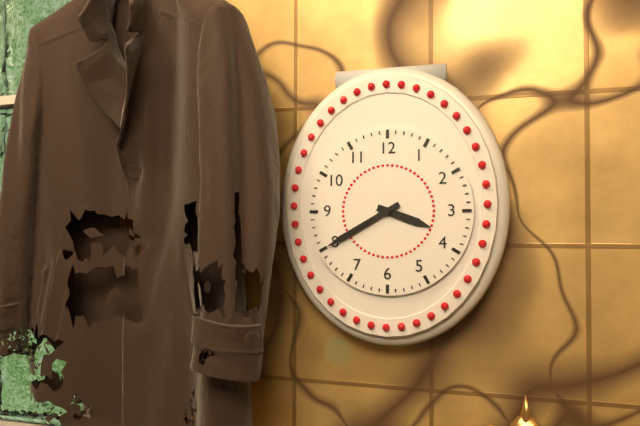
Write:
3,40
